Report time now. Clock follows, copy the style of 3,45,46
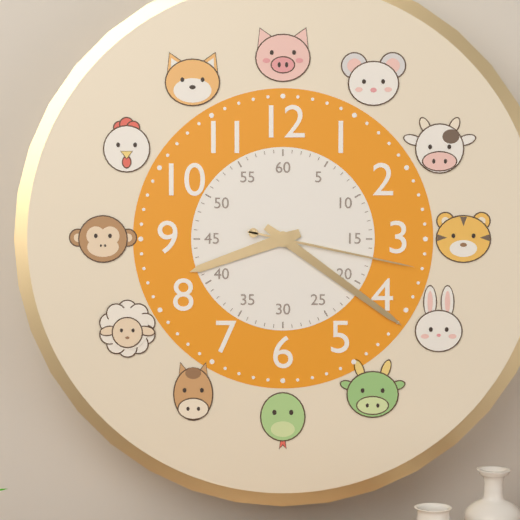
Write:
8,21,17
